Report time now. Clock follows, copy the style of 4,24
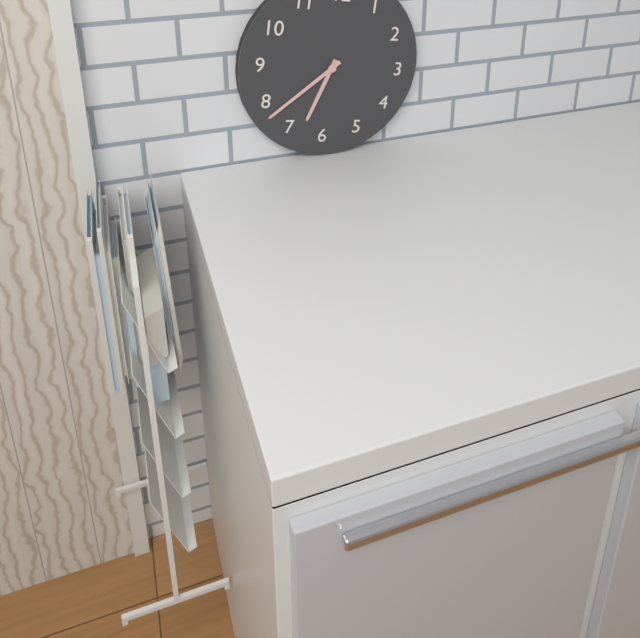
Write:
6,38
